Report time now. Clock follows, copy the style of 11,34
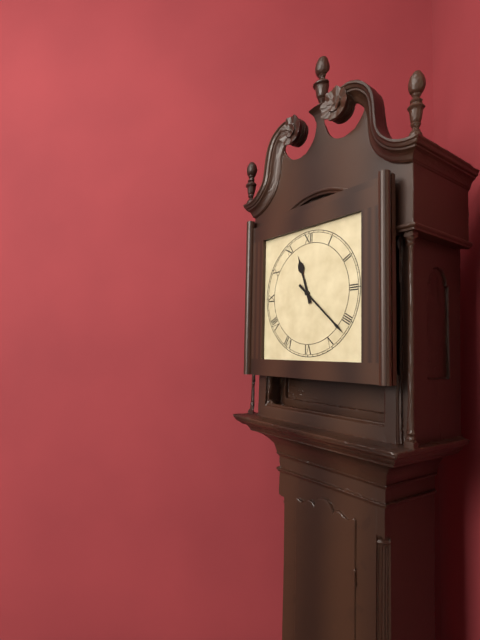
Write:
11,22
